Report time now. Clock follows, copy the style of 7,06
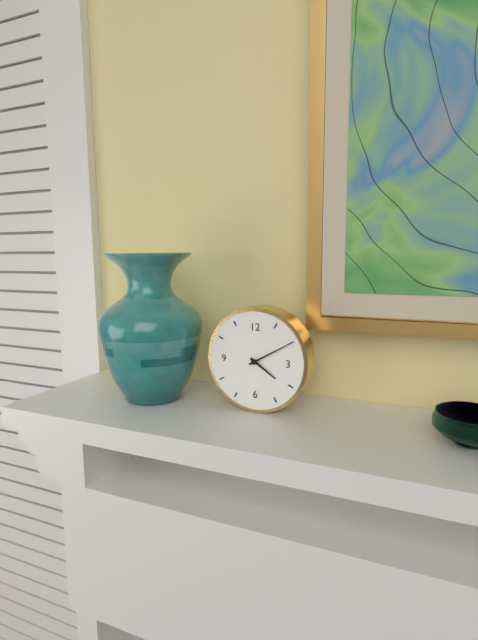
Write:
4,10
